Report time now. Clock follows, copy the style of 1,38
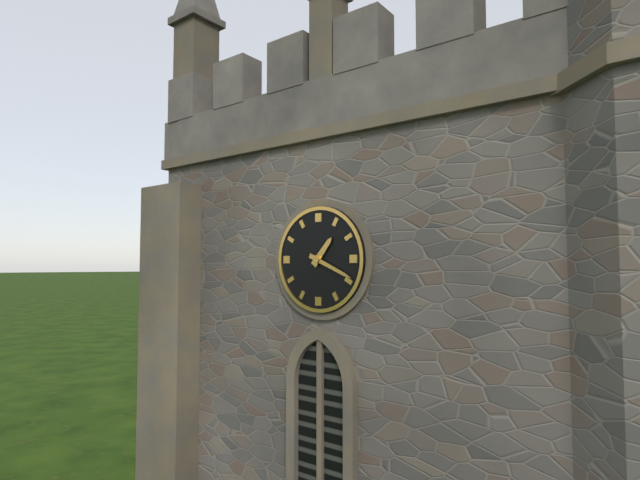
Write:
1,19
